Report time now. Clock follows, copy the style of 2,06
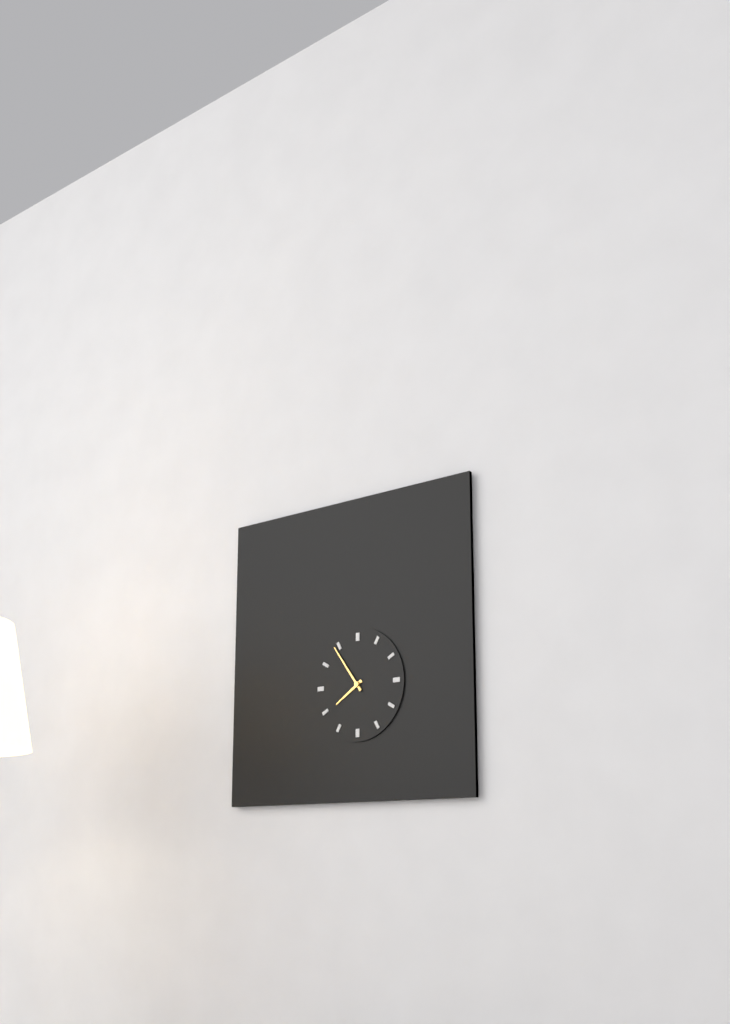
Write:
7,54
